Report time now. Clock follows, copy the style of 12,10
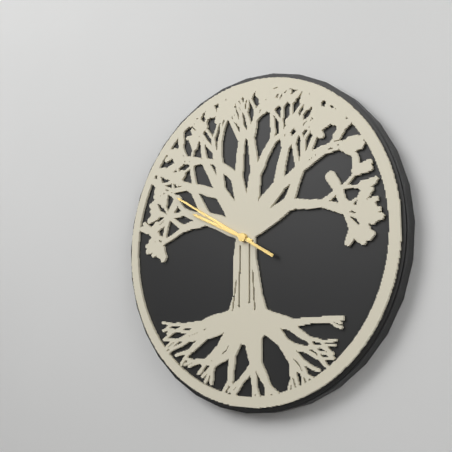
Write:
9,50
